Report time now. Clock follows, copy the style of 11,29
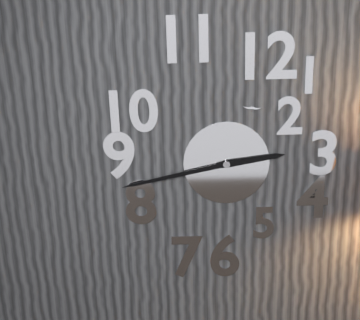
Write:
2,43
